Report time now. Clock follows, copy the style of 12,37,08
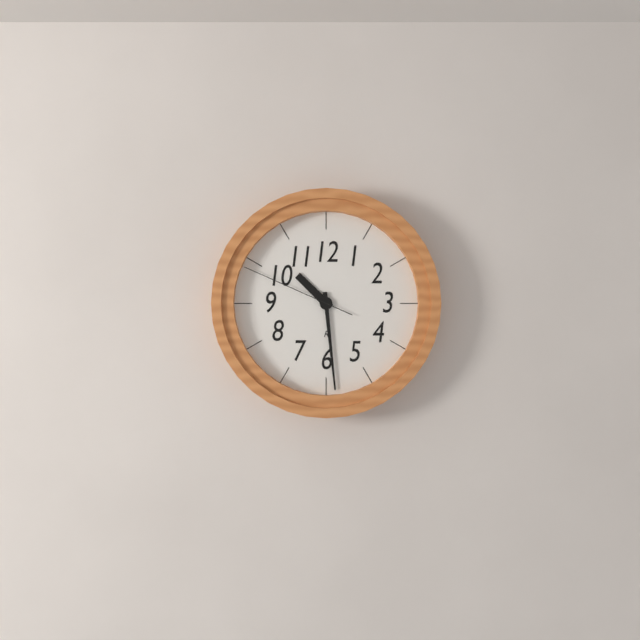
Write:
10,29,49
